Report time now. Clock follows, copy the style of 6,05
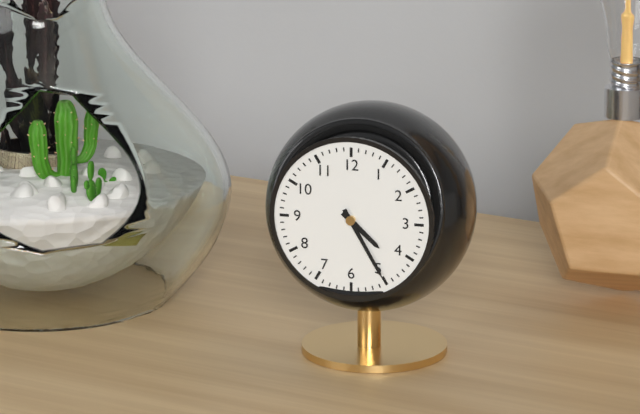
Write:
4,25
